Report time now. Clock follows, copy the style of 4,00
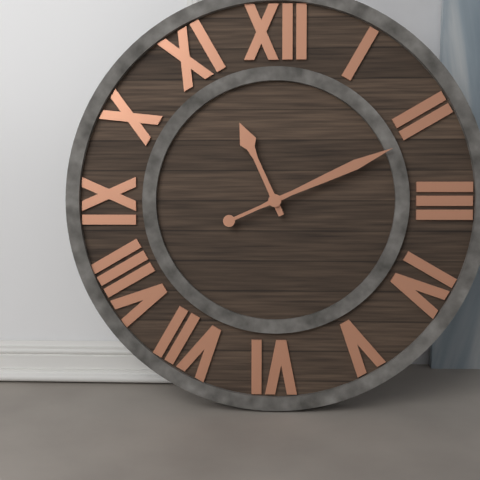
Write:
11,11
